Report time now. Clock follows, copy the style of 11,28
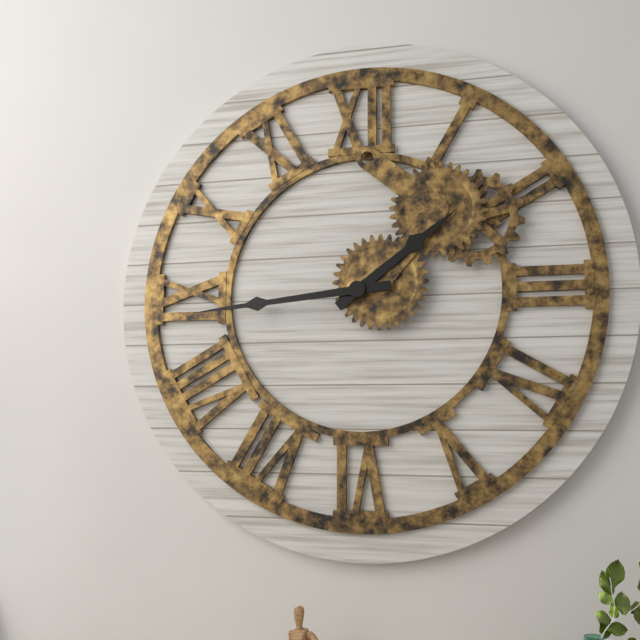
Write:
1,44
